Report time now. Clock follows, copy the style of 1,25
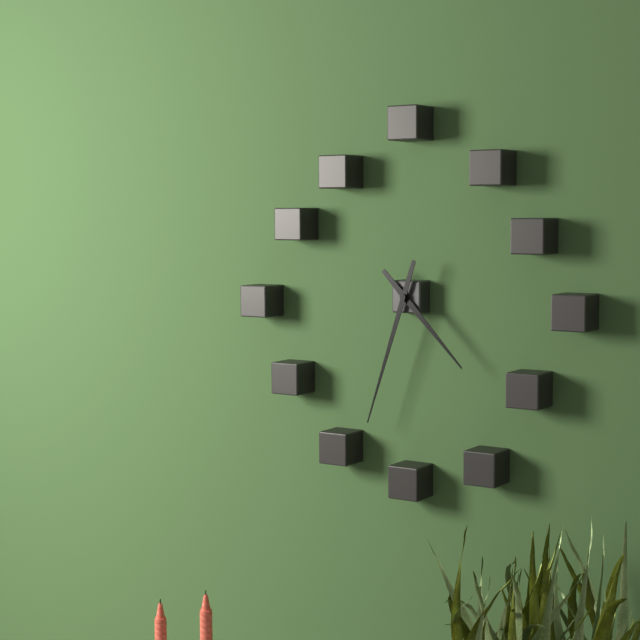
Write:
4,33
